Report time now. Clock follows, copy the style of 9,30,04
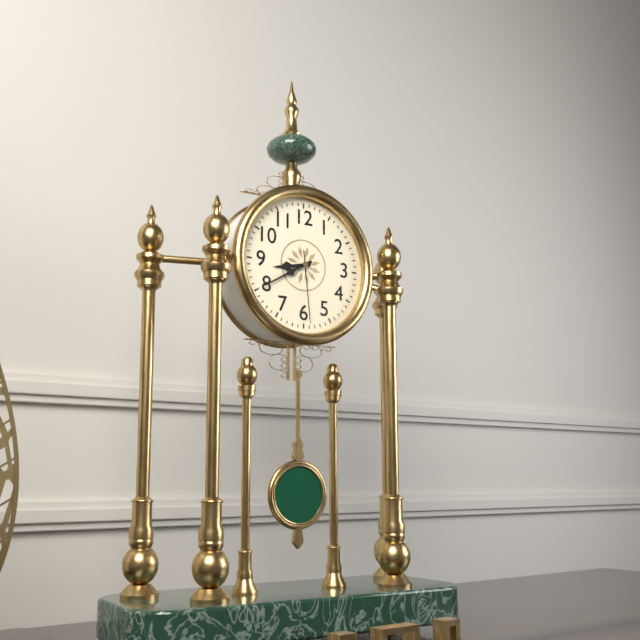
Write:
8,40,29
